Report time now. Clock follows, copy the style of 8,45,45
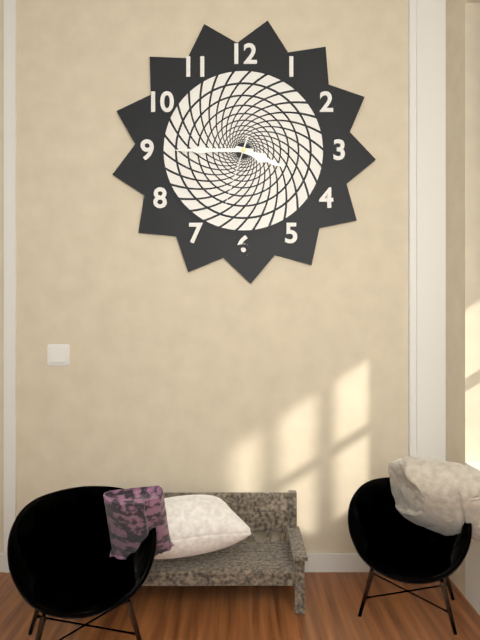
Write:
3,45,33
